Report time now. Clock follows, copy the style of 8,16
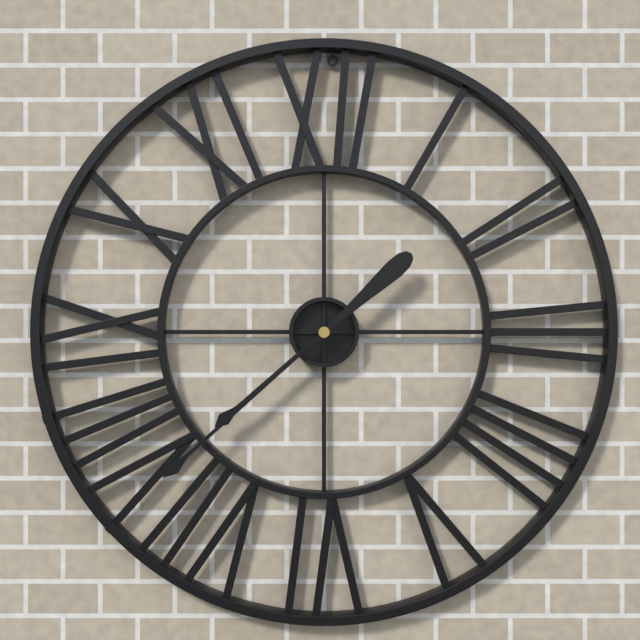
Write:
7,38
